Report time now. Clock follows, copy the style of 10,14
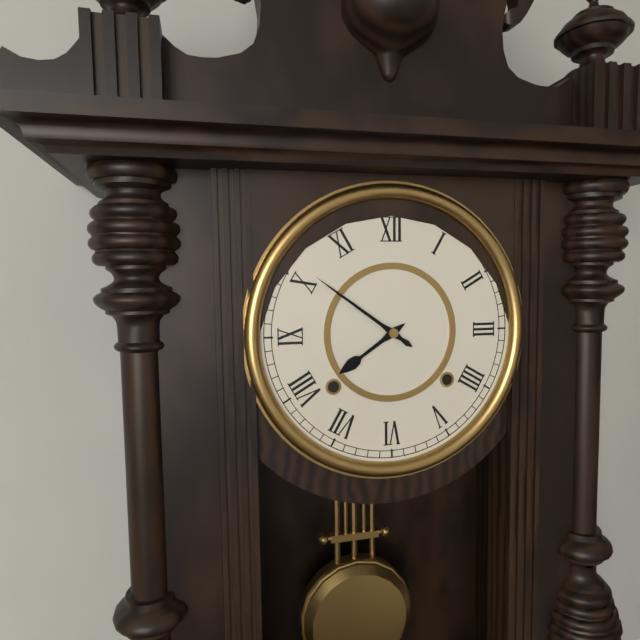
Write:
7,51
